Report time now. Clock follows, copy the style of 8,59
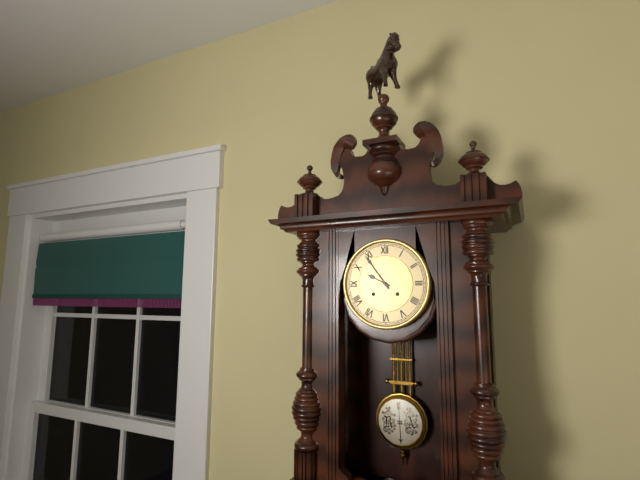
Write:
9,54
